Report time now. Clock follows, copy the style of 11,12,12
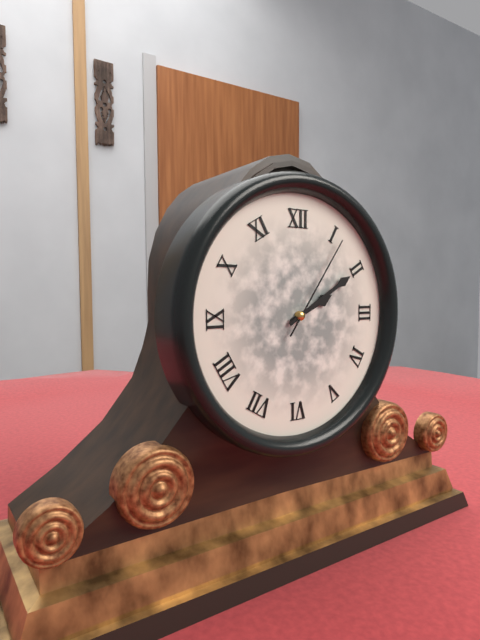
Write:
2,10,06
